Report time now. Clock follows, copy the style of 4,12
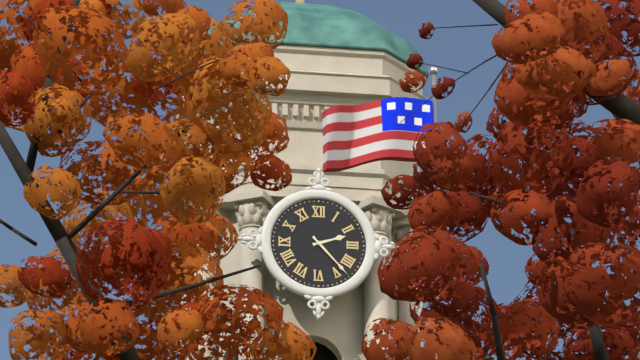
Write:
2,23
